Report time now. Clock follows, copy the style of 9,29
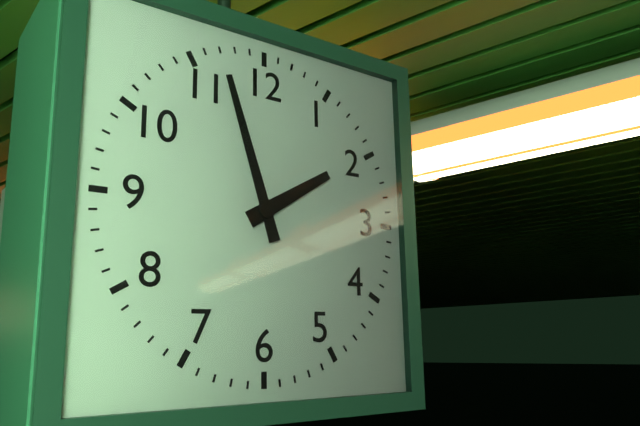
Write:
1,57
